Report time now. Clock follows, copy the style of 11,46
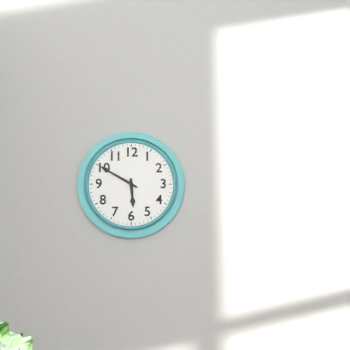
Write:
5,50
